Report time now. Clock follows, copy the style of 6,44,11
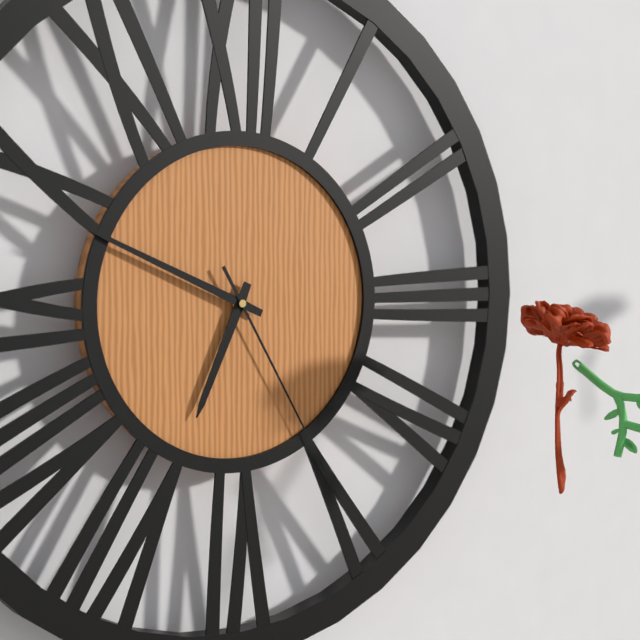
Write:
6,49,25
